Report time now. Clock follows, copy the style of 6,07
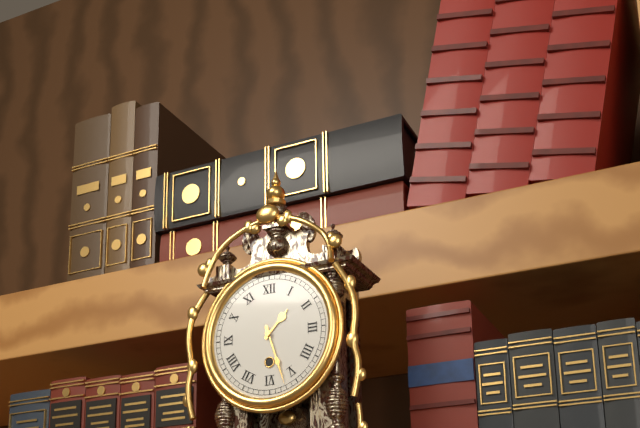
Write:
1,27
